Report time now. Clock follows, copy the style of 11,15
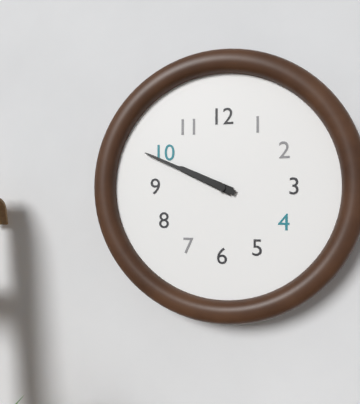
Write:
9,49
